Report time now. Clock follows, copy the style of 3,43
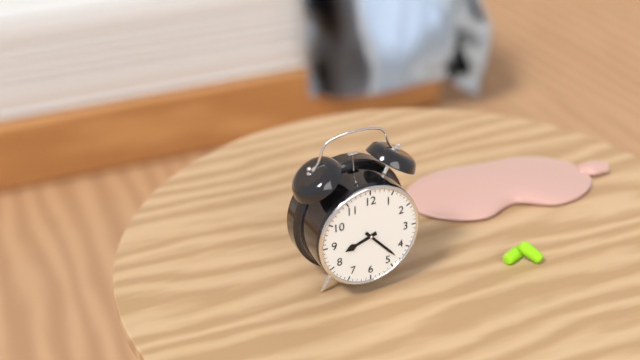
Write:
8,23
